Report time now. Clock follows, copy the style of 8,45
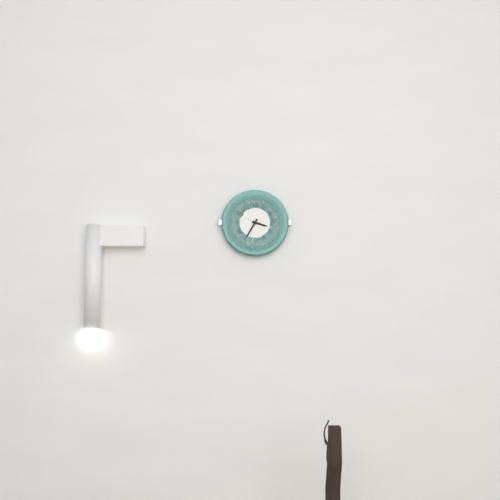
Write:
3,35
